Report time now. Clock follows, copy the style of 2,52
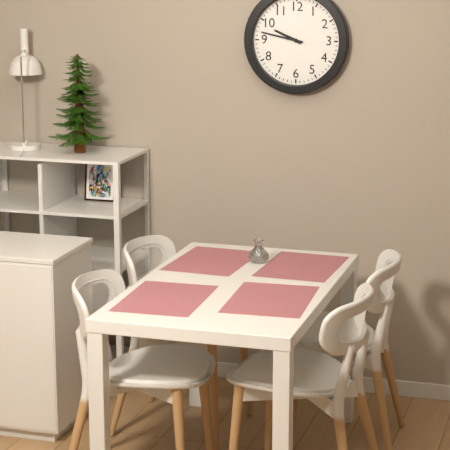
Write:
9,47
